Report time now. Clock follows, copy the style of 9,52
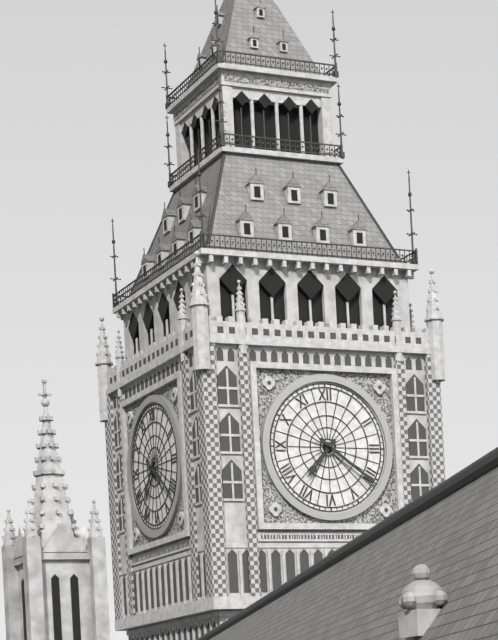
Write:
7,21
